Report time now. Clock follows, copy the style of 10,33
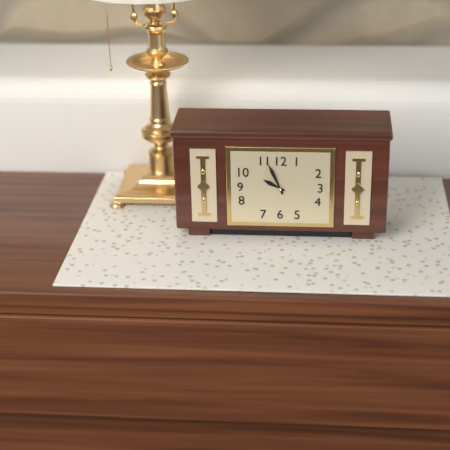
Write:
9,56
